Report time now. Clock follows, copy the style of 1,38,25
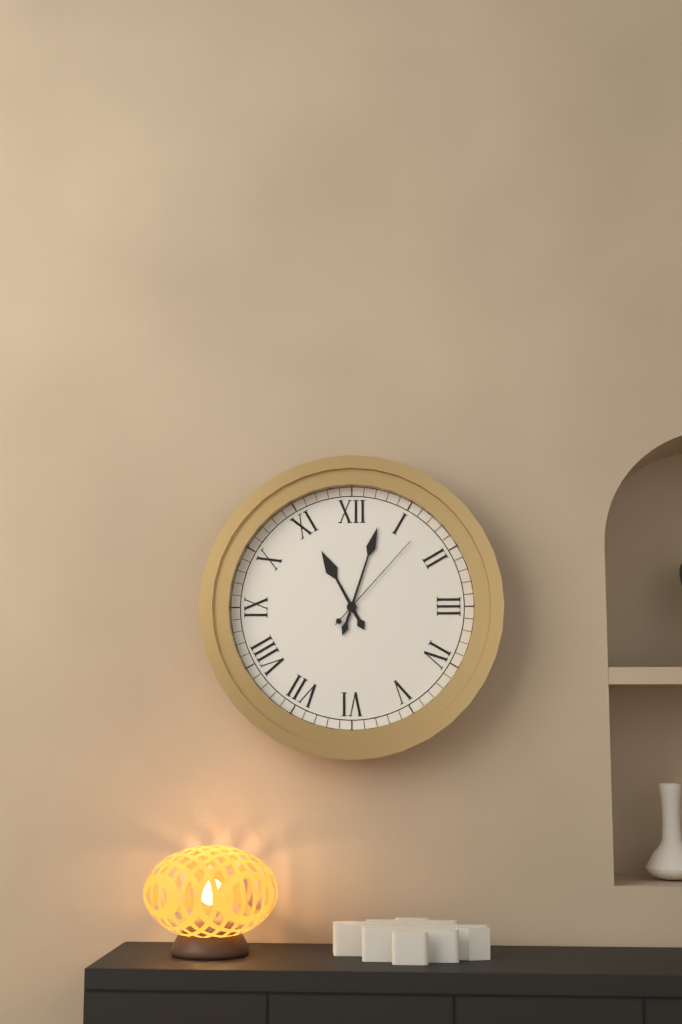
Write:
11,03,07
